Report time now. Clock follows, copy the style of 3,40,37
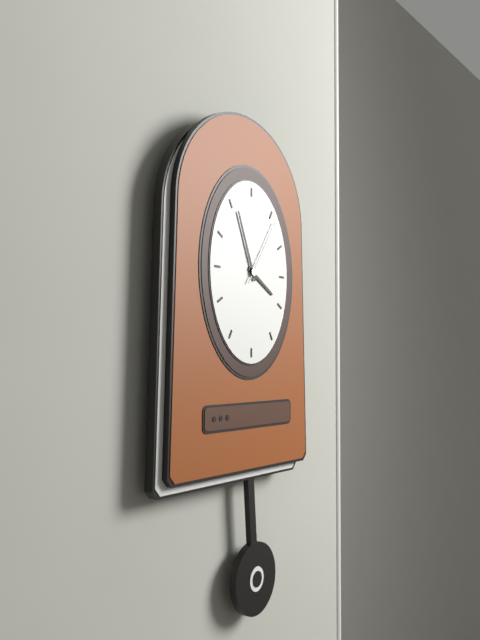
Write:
3,56,06
